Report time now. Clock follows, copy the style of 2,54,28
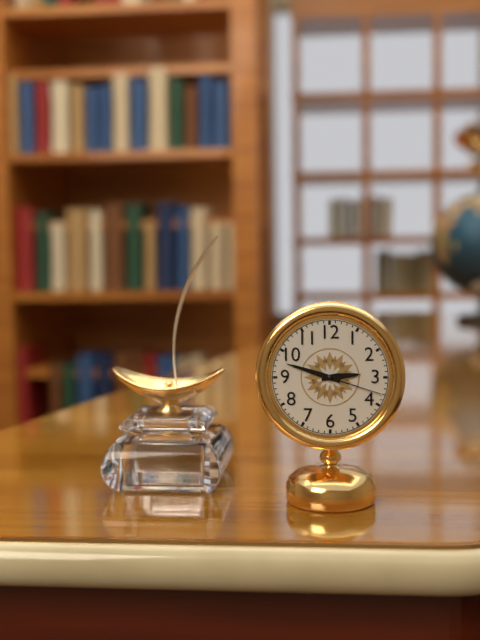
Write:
2,48,18
